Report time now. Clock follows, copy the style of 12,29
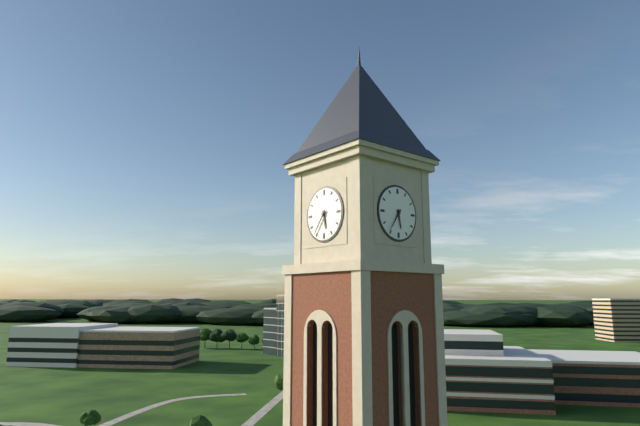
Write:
5,36
